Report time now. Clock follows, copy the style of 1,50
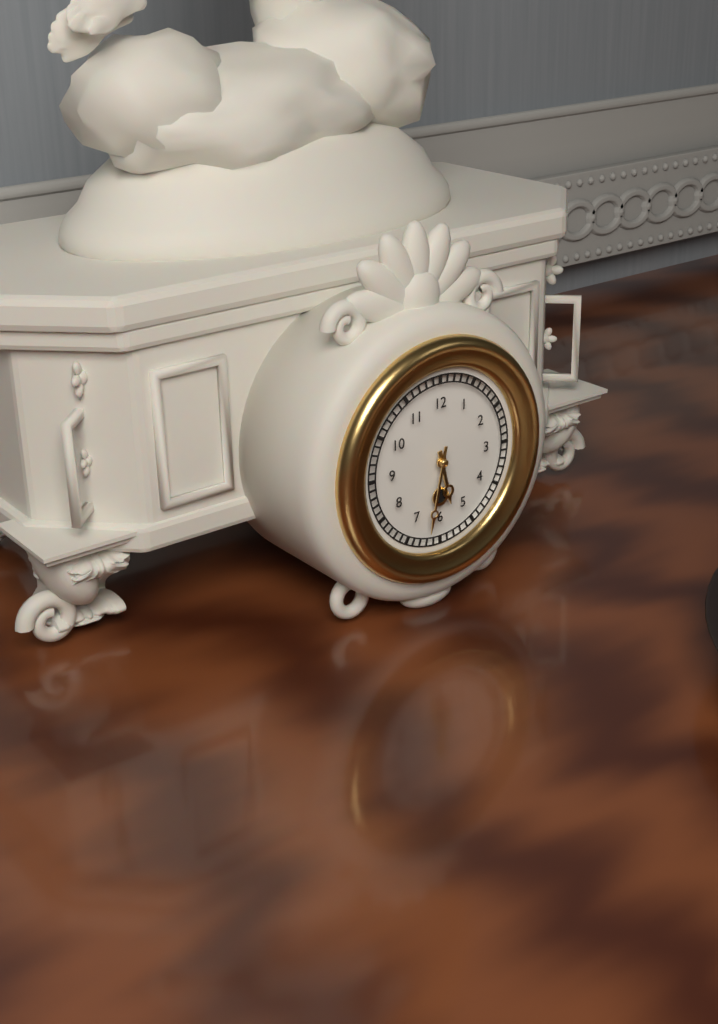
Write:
5,32
